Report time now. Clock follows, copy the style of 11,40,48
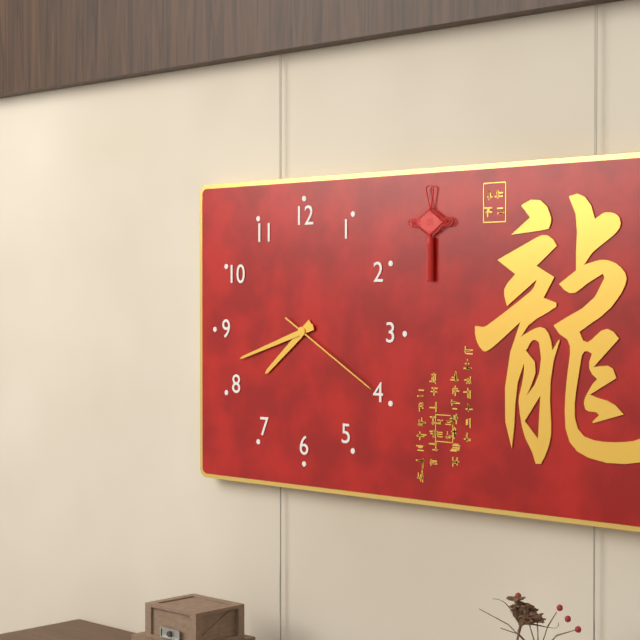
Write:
7,42,20
